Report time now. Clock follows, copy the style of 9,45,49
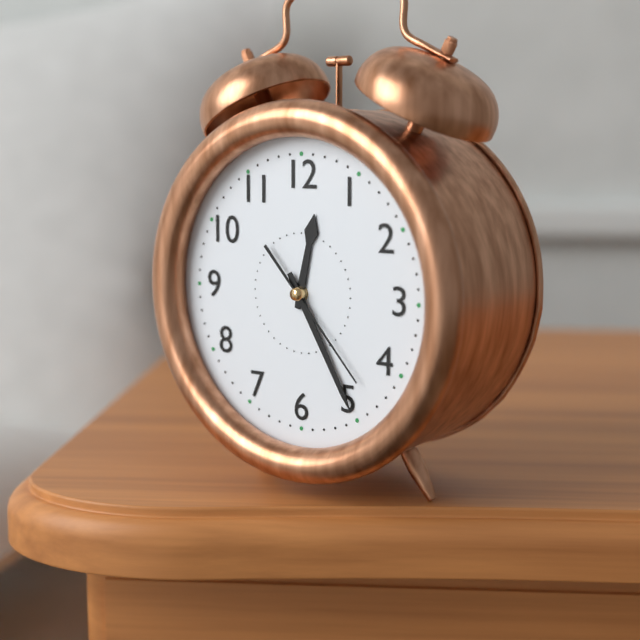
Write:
12,25,23
